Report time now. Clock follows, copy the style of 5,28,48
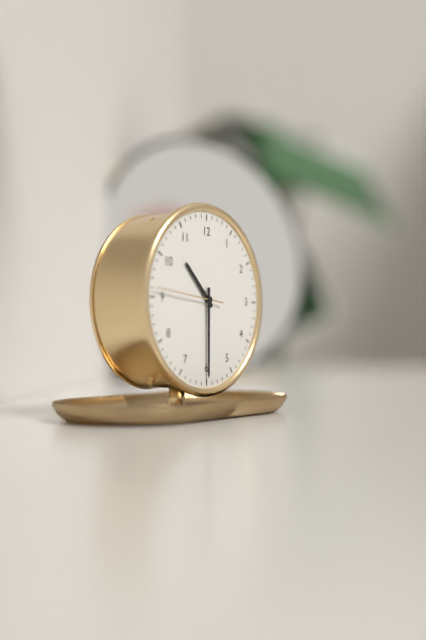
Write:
10,30,46
